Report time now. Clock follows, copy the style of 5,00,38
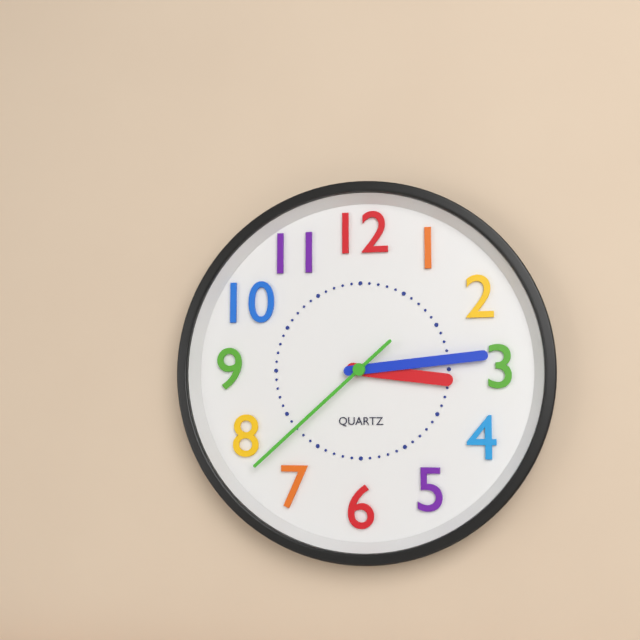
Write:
3,14,38
